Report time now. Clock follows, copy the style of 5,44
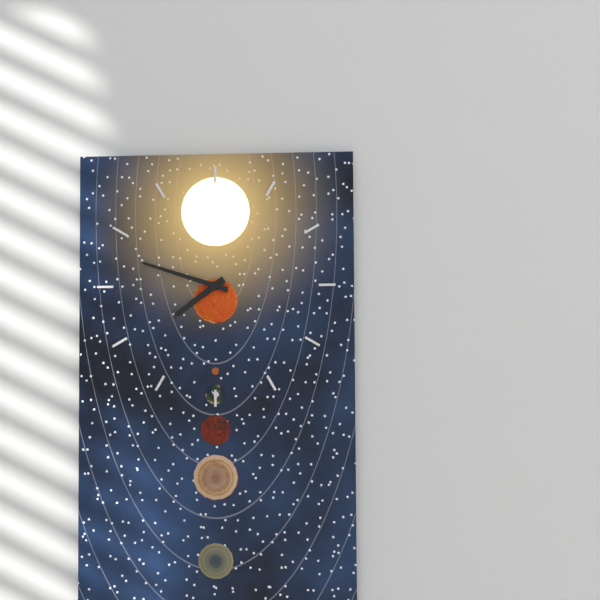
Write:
7,48
